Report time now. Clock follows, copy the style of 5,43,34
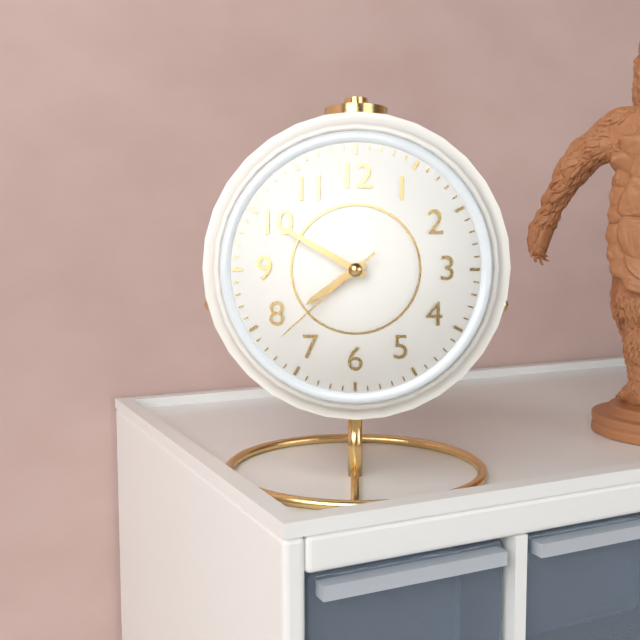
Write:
7,50,38
